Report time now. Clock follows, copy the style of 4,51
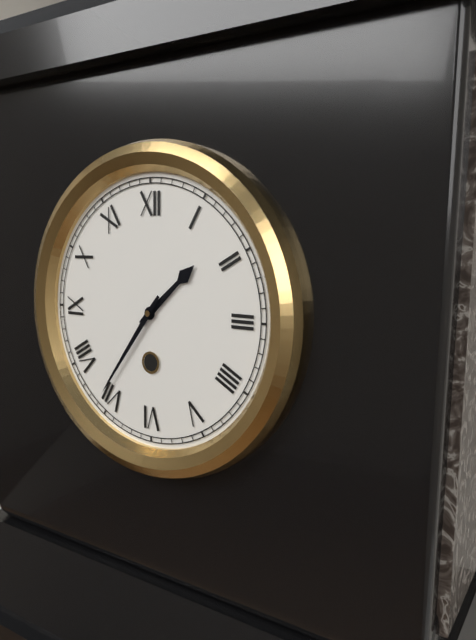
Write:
1,36
